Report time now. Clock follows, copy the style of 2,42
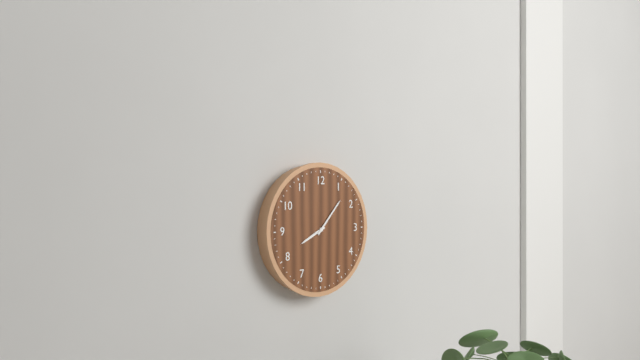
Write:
8,07
